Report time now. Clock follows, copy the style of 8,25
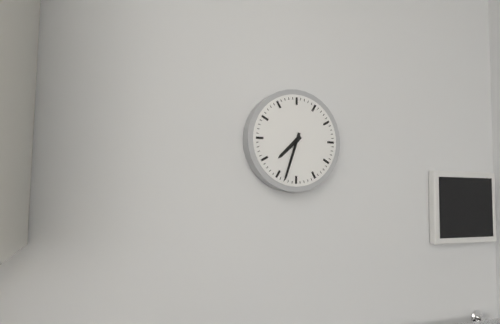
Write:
7,33
